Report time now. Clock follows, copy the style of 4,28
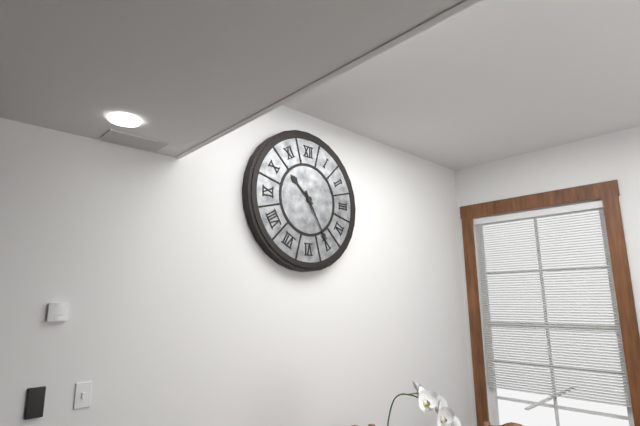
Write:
10,25
